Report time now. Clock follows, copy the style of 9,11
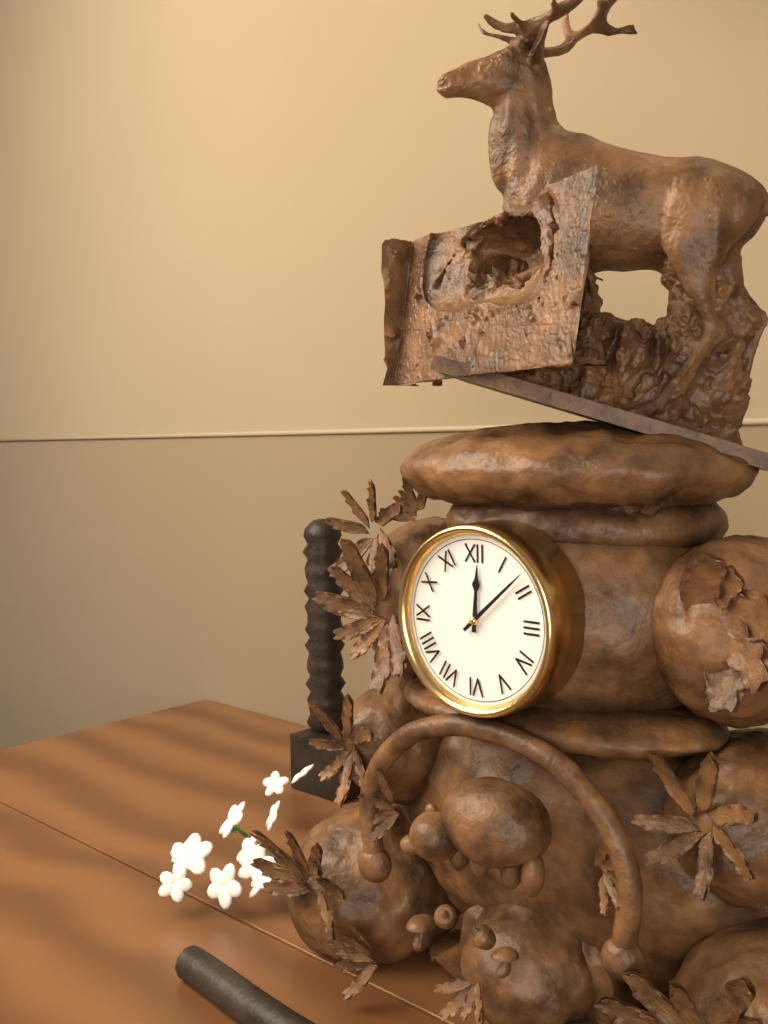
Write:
12,08
